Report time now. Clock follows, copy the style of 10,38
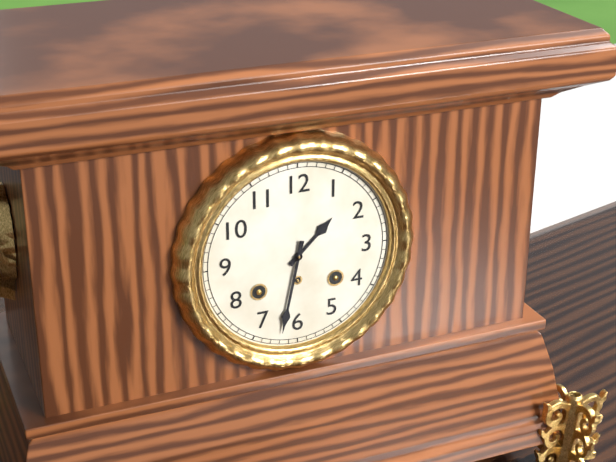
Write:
1,32
